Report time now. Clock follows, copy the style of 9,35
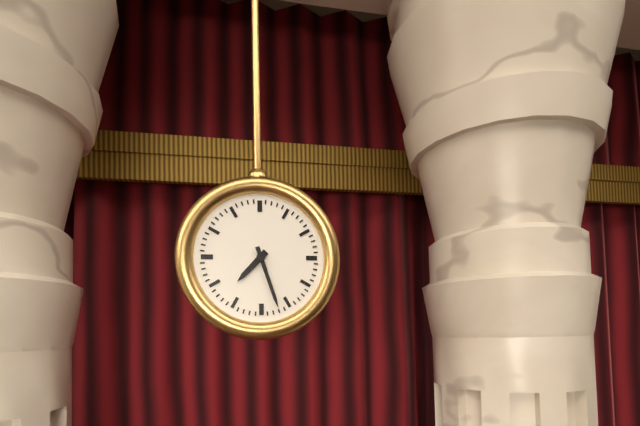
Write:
7,27
